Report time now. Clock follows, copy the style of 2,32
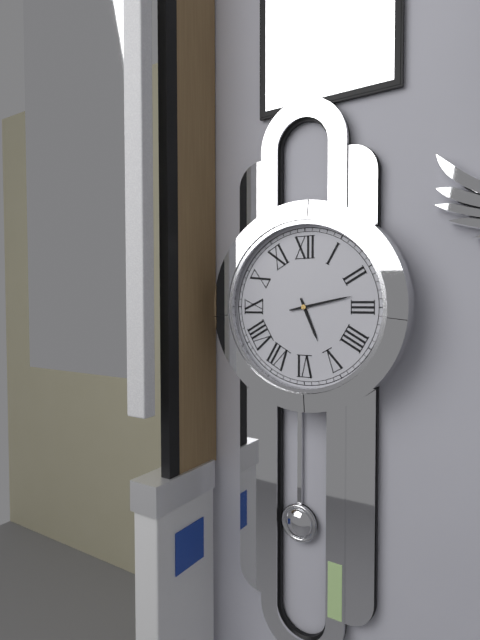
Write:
5,13
